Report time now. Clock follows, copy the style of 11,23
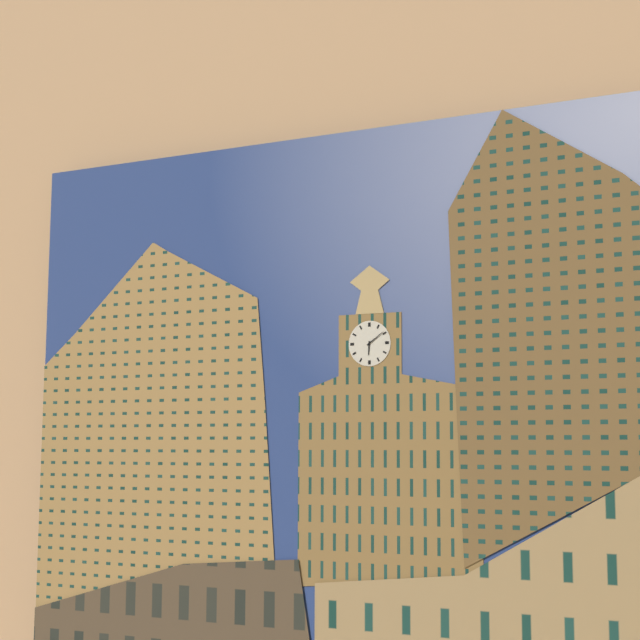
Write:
6,09
